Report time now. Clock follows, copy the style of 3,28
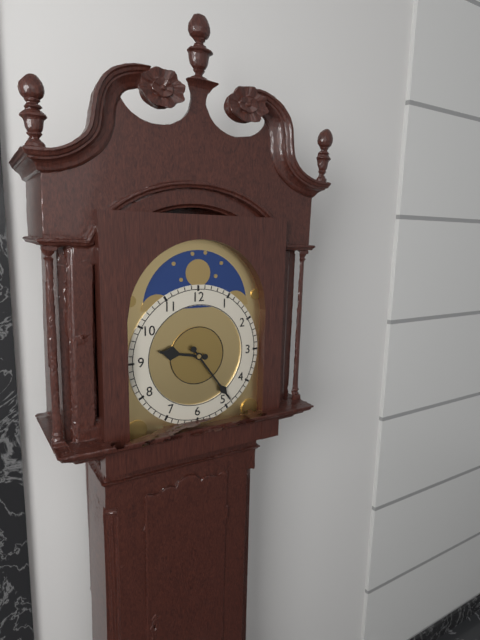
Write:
9,24
